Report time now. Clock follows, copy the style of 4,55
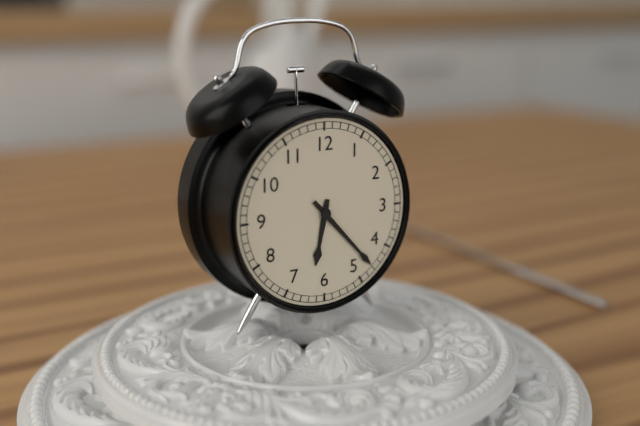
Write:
6,23
